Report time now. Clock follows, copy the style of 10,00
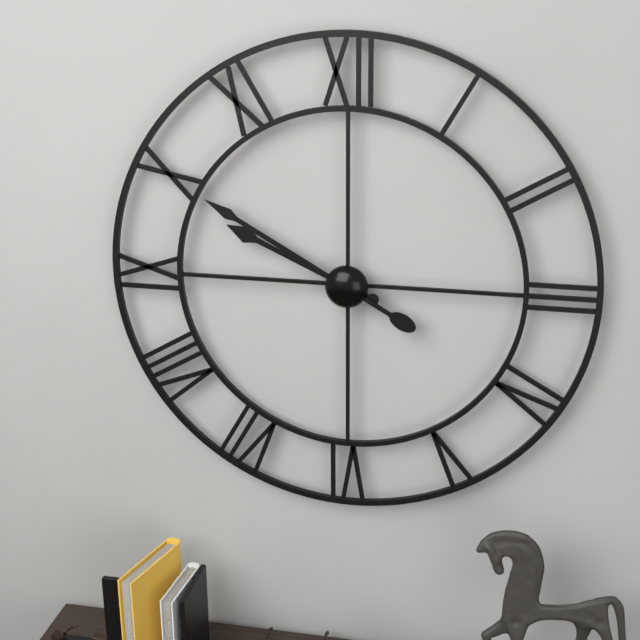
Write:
9,50
